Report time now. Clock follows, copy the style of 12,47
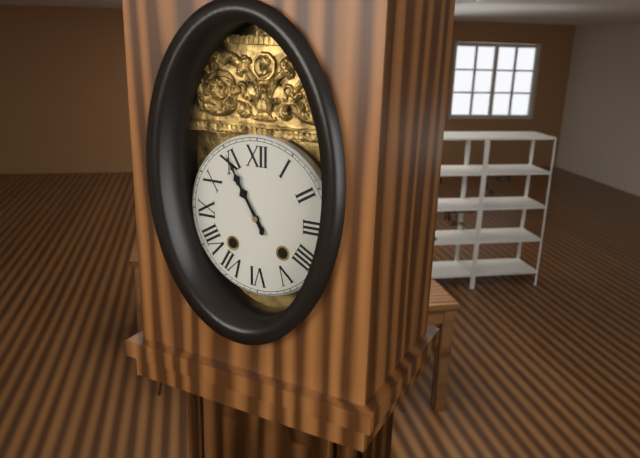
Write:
10,55
